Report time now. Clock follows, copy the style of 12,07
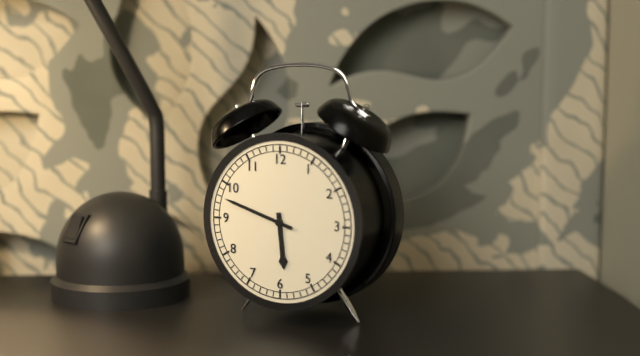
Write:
5,48
